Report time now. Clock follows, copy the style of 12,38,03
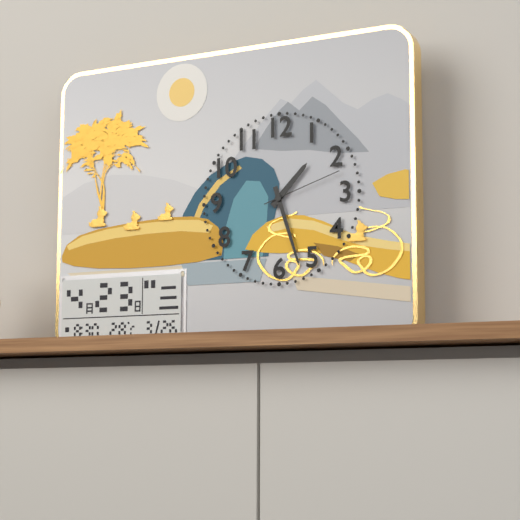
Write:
1,27,12
